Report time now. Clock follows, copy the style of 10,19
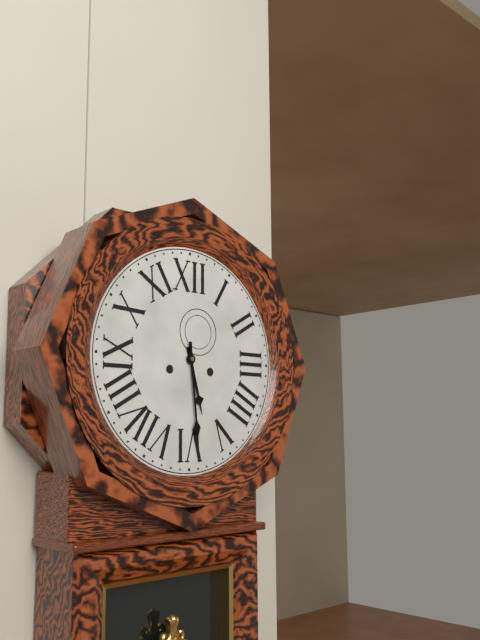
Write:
5,29
